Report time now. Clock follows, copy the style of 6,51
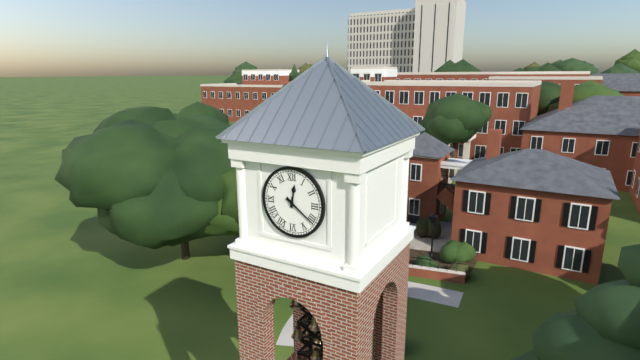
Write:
12,21
